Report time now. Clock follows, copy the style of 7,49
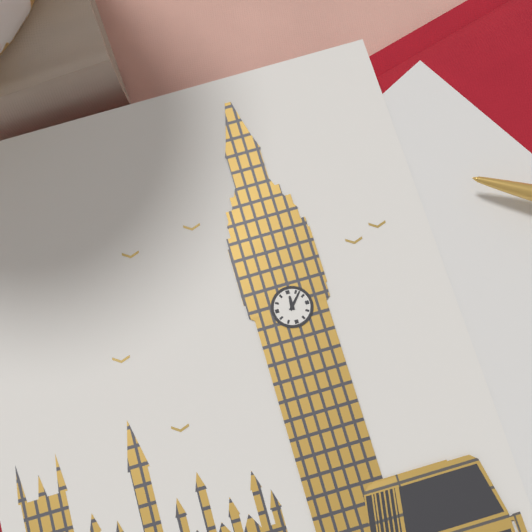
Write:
12,07
